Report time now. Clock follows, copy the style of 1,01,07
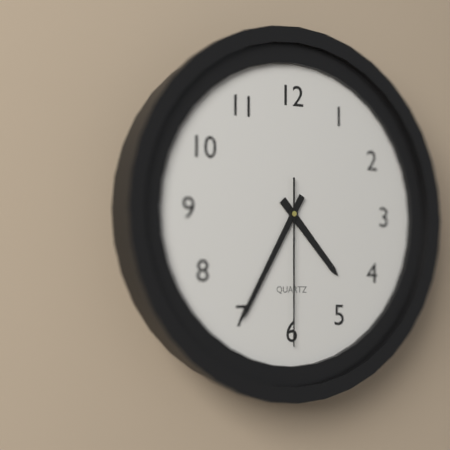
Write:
4,35,30
